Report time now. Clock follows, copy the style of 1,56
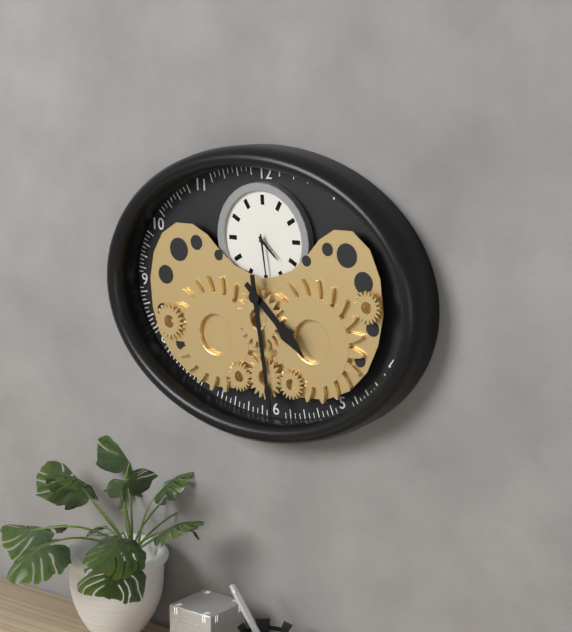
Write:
4,29
